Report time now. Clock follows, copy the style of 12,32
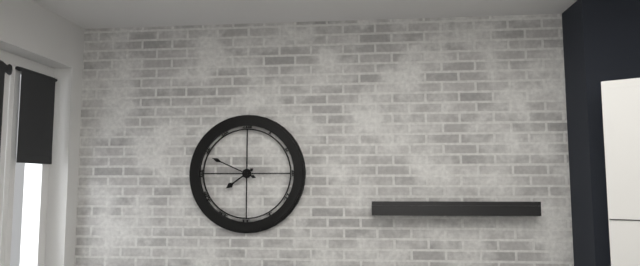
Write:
7,49
